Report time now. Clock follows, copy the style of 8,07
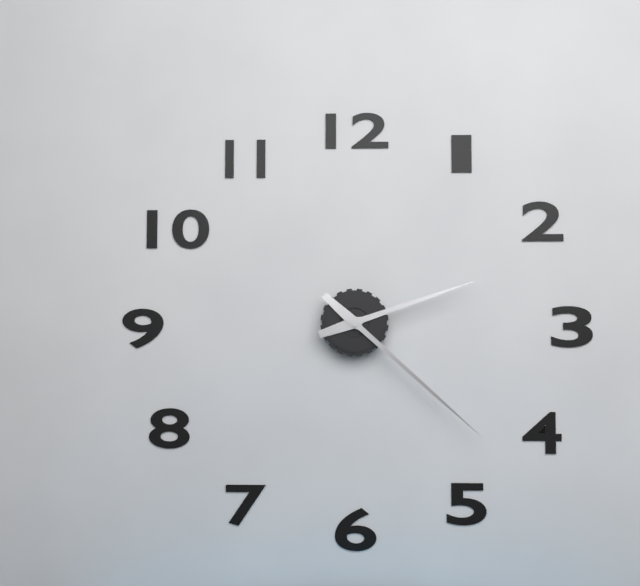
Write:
2,22
